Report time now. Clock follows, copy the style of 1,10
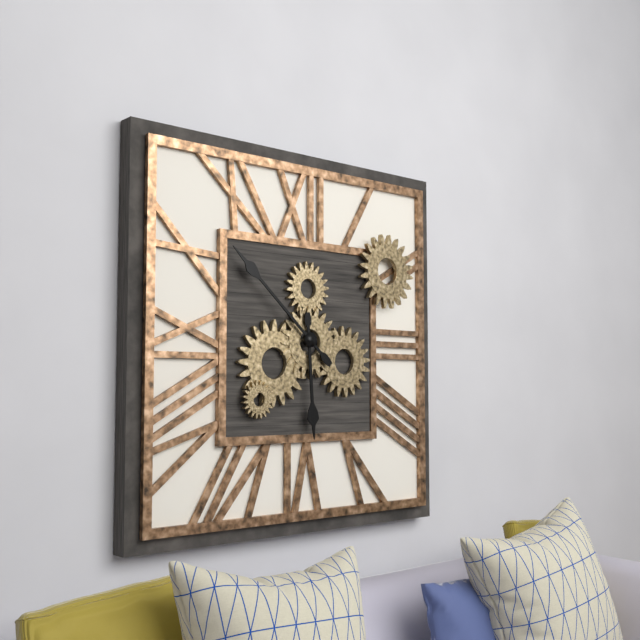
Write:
5,52
